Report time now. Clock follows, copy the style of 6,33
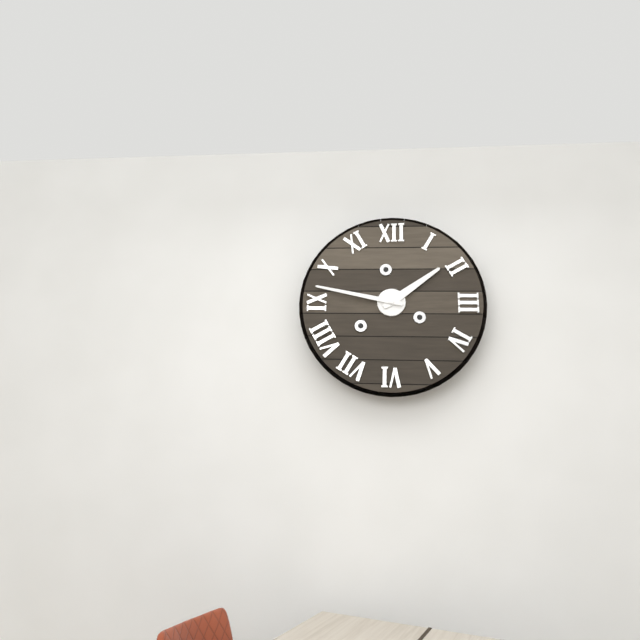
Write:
1,47
